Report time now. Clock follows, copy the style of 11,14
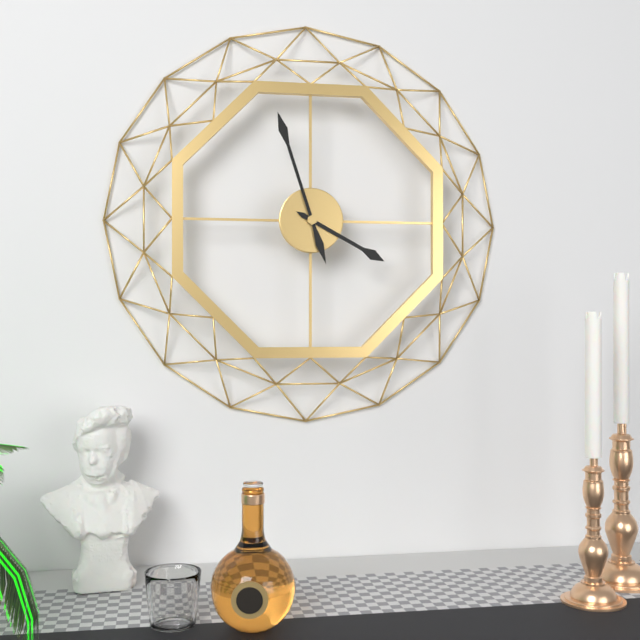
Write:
3,57
